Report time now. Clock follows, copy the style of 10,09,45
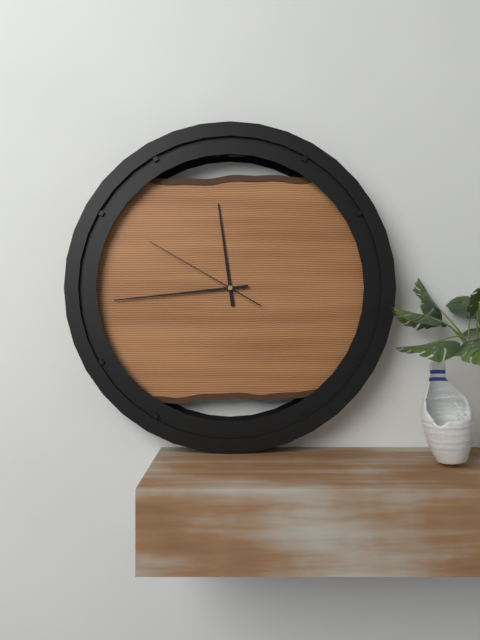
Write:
11,44,50
